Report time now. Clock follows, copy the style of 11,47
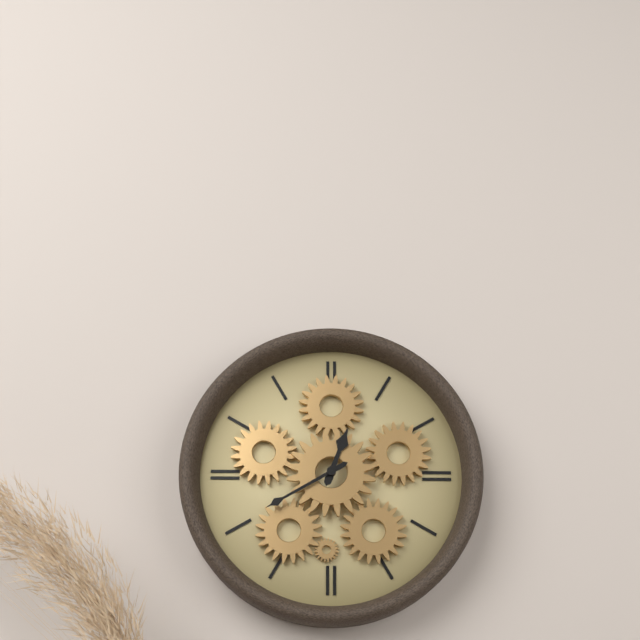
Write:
12,40
